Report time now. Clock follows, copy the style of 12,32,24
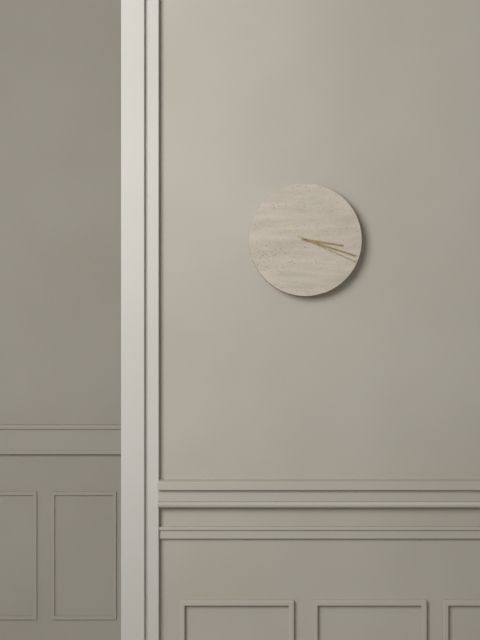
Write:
3,18,19
